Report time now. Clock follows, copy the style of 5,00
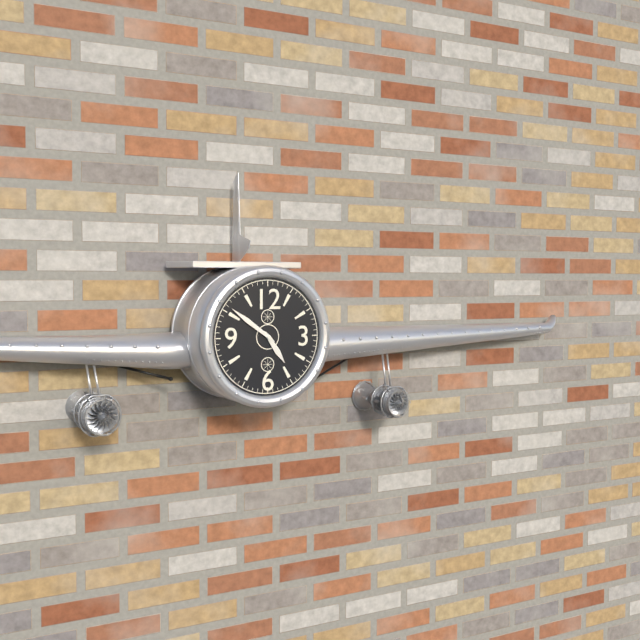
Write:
4,51
